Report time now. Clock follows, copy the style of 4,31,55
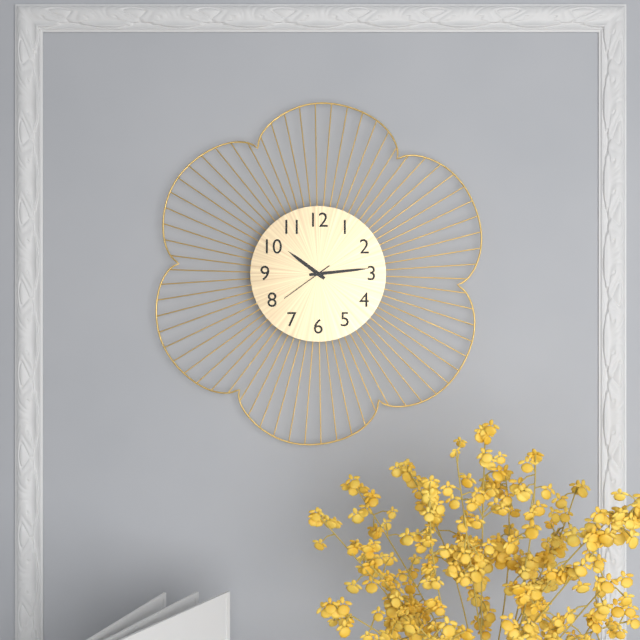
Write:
10,14,39
